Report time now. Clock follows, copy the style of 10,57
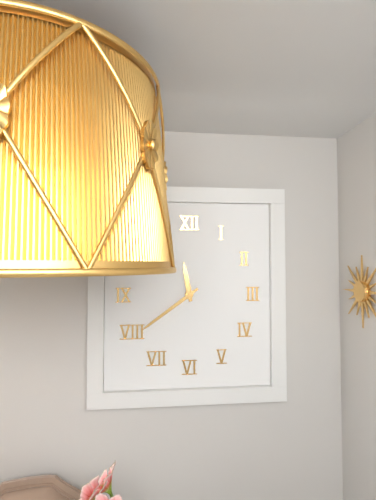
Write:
11,39
